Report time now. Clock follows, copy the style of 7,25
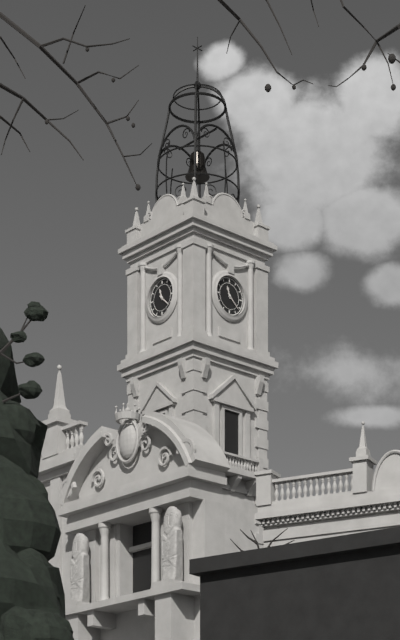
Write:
11,22
